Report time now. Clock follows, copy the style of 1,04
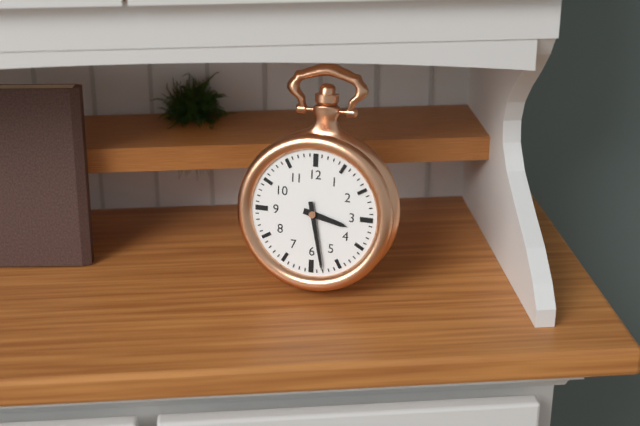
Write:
3,28
